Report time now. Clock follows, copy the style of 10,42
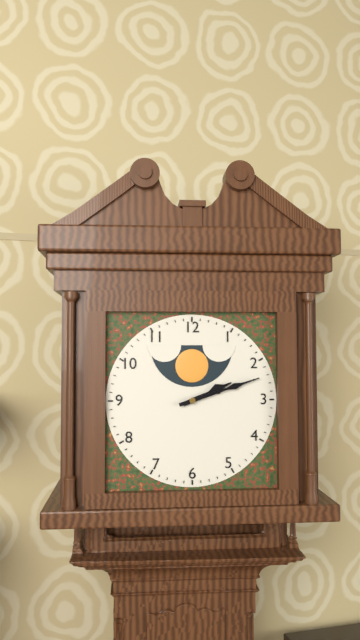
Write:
2,12
